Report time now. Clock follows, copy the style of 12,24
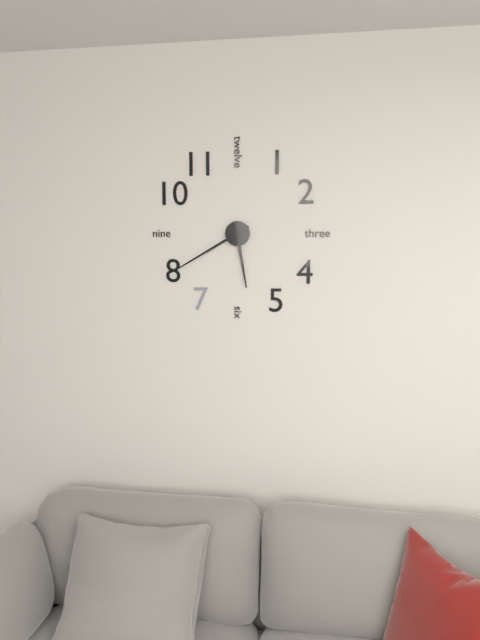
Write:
5,40
